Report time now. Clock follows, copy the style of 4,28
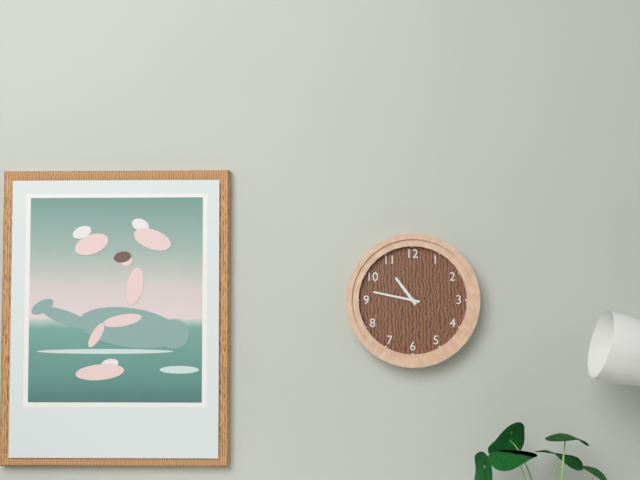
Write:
10,47
